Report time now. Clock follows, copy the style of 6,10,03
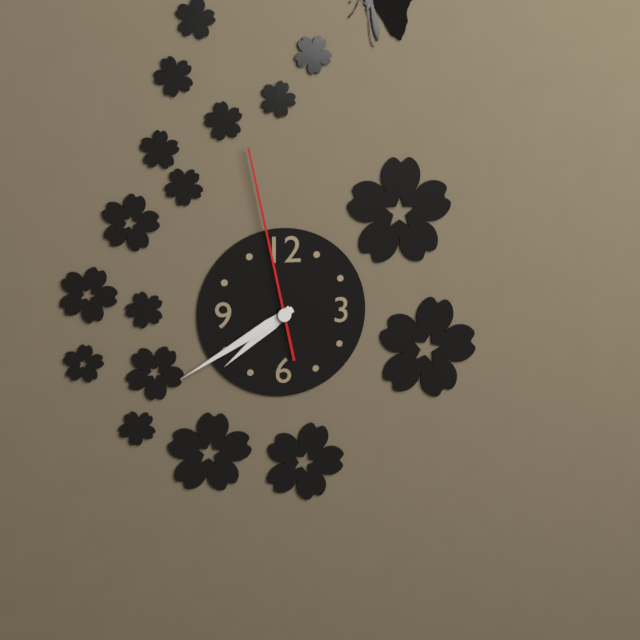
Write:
7,40,58
